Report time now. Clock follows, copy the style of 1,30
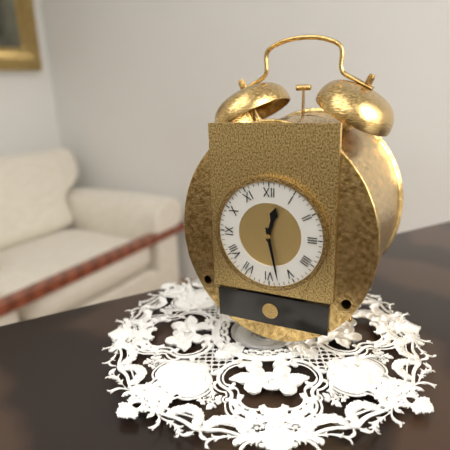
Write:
12,28
